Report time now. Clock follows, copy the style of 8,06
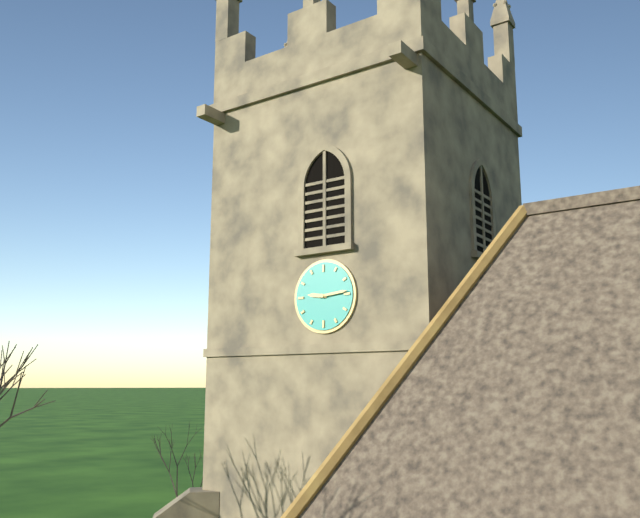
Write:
9,14
